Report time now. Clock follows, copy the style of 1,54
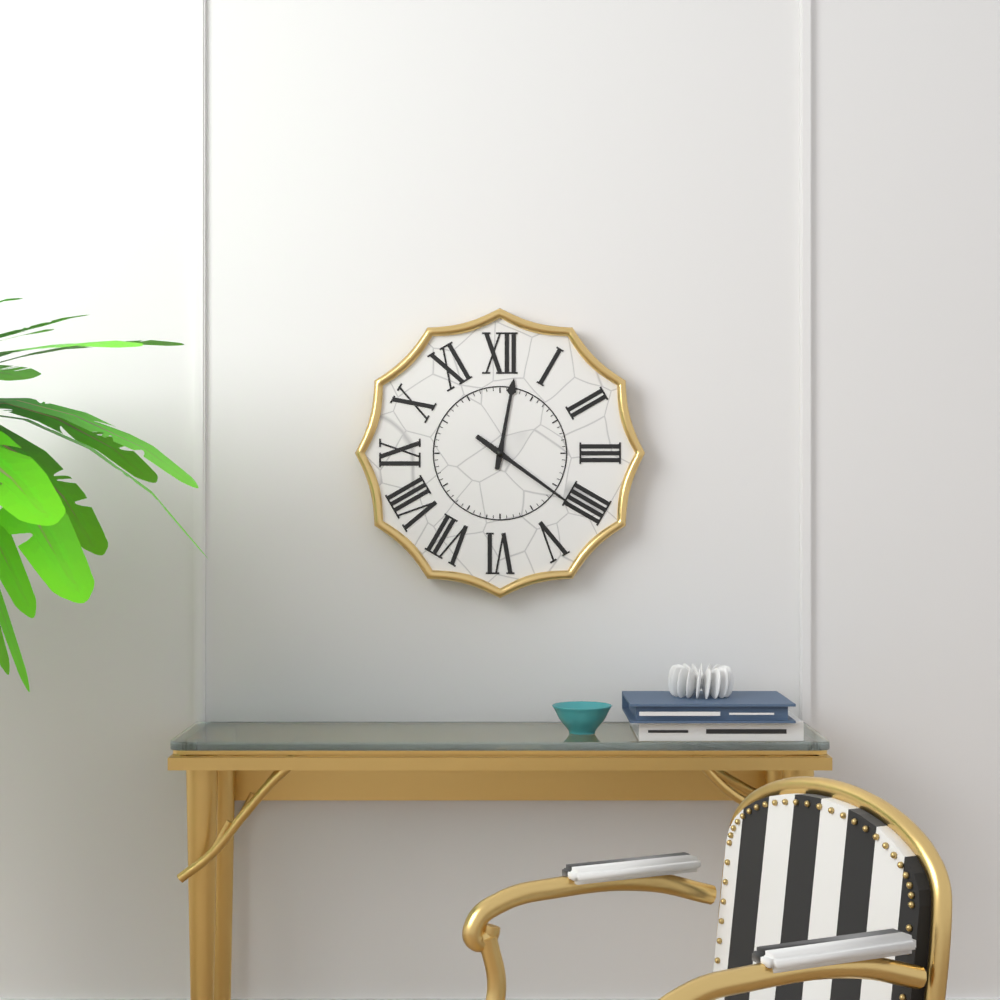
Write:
12,21
